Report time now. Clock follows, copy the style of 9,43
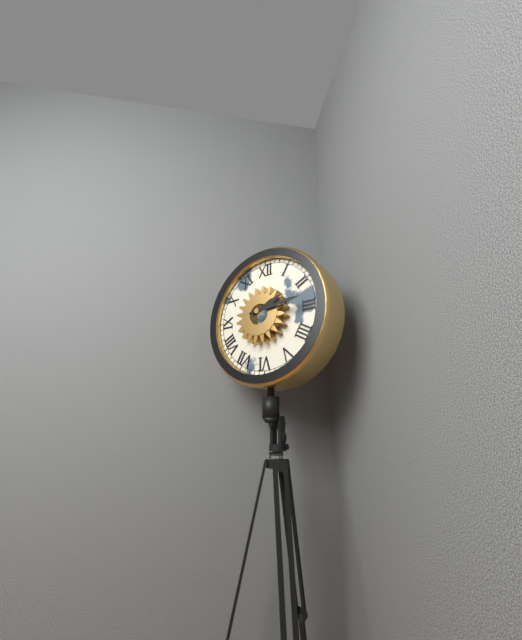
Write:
2,14
